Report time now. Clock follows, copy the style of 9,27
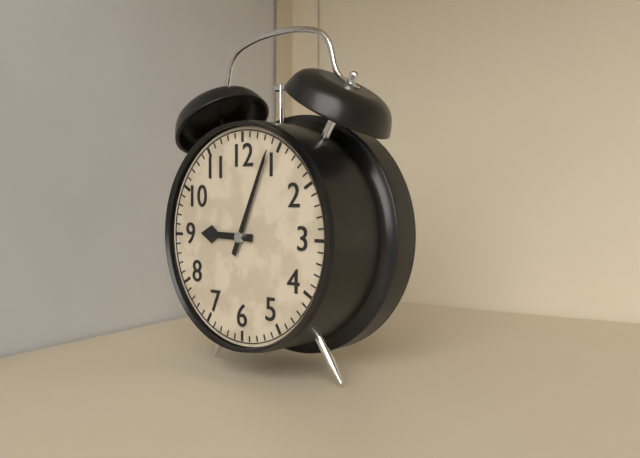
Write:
9,04
